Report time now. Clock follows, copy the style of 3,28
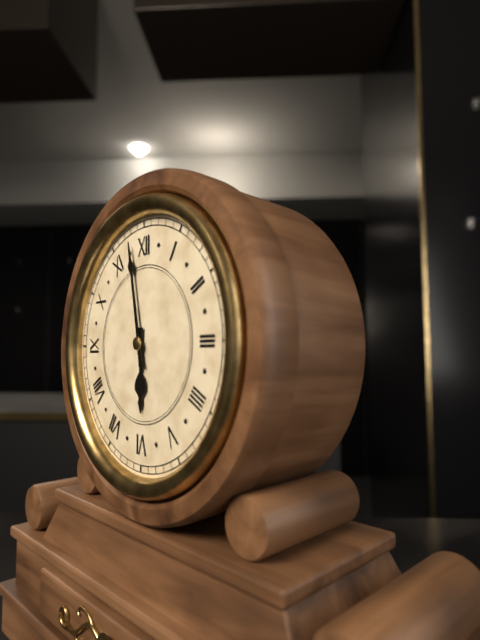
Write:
5,58
